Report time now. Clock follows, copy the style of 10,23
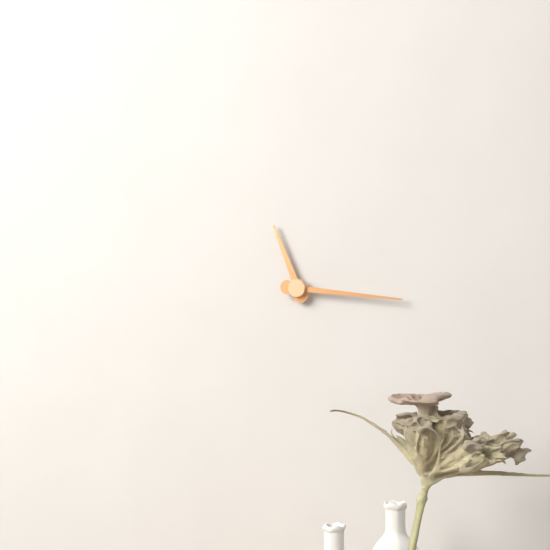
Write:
11,16
